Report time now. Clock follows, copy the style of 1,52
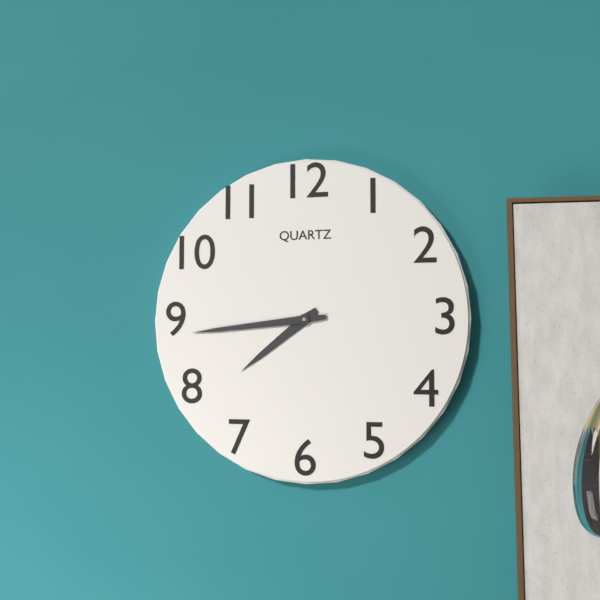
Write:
7,44
